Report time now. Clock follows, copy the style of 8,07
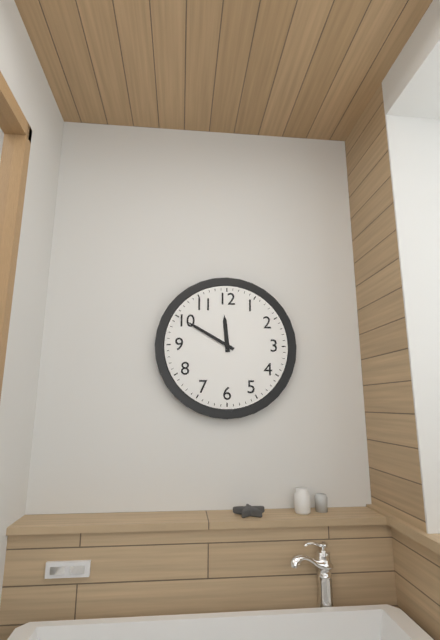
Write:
11,50
